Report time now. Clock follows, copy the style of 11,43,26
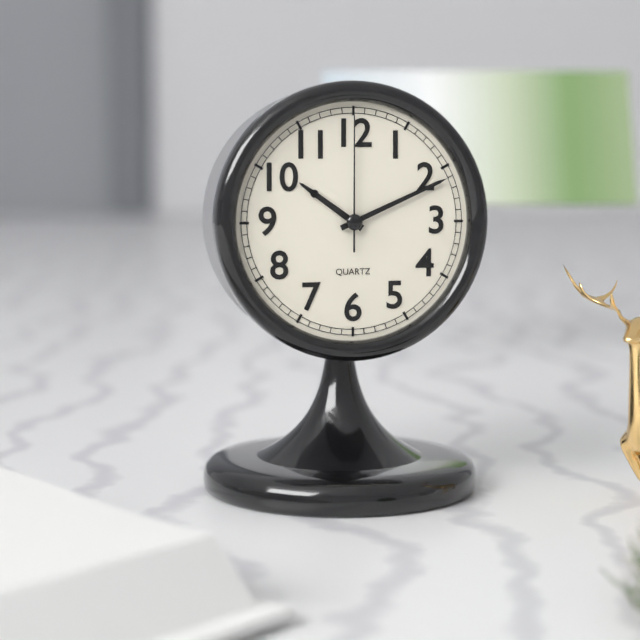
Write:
10,11,00
